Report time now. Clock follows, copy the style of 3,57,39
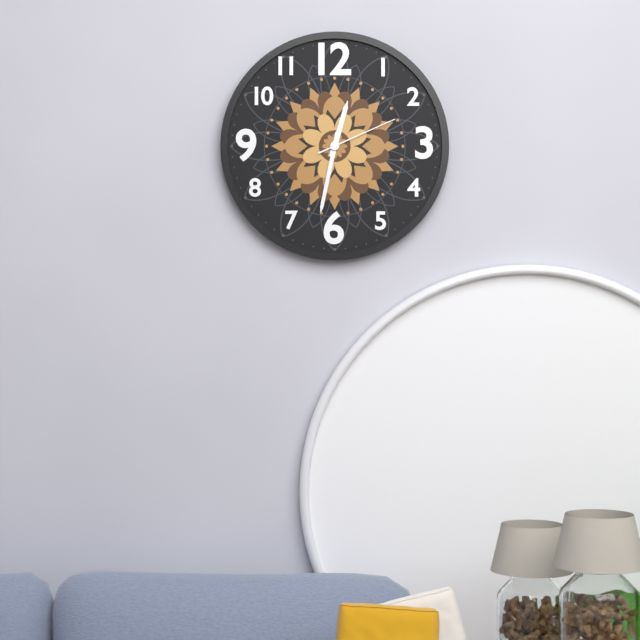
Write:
12,32,11
